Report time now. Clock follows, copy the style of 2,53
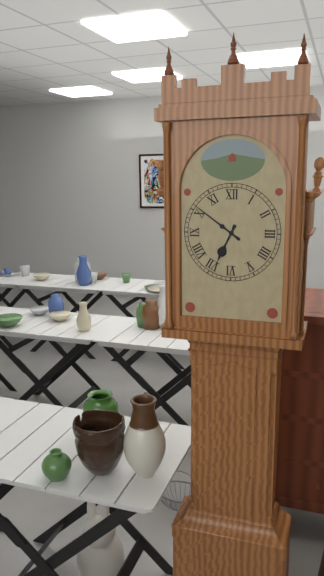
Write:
6,51
